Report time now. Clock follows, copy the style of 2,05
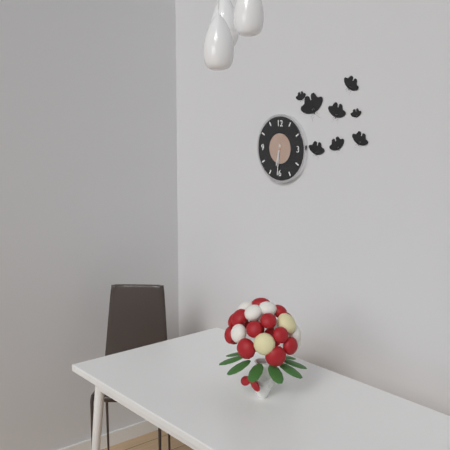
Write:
6,31
